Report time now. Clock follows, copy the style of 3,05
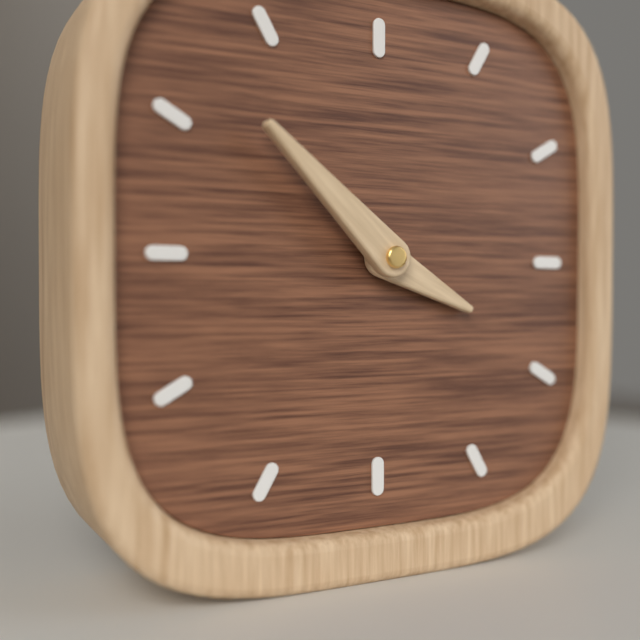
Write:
3,52
